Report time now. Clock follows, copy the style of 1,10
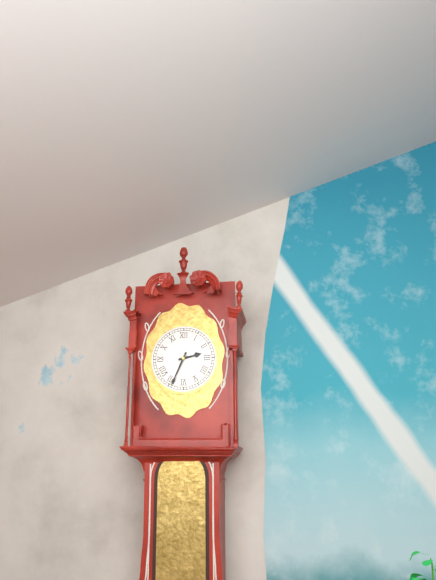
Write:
2,34
